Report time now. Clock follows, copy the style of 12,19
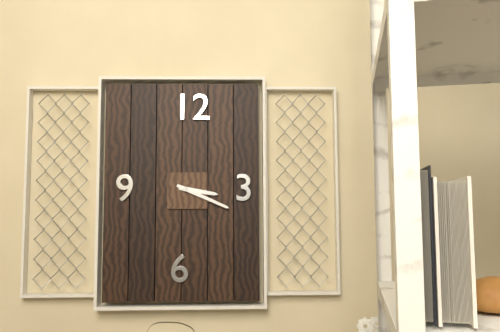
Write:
3,19
